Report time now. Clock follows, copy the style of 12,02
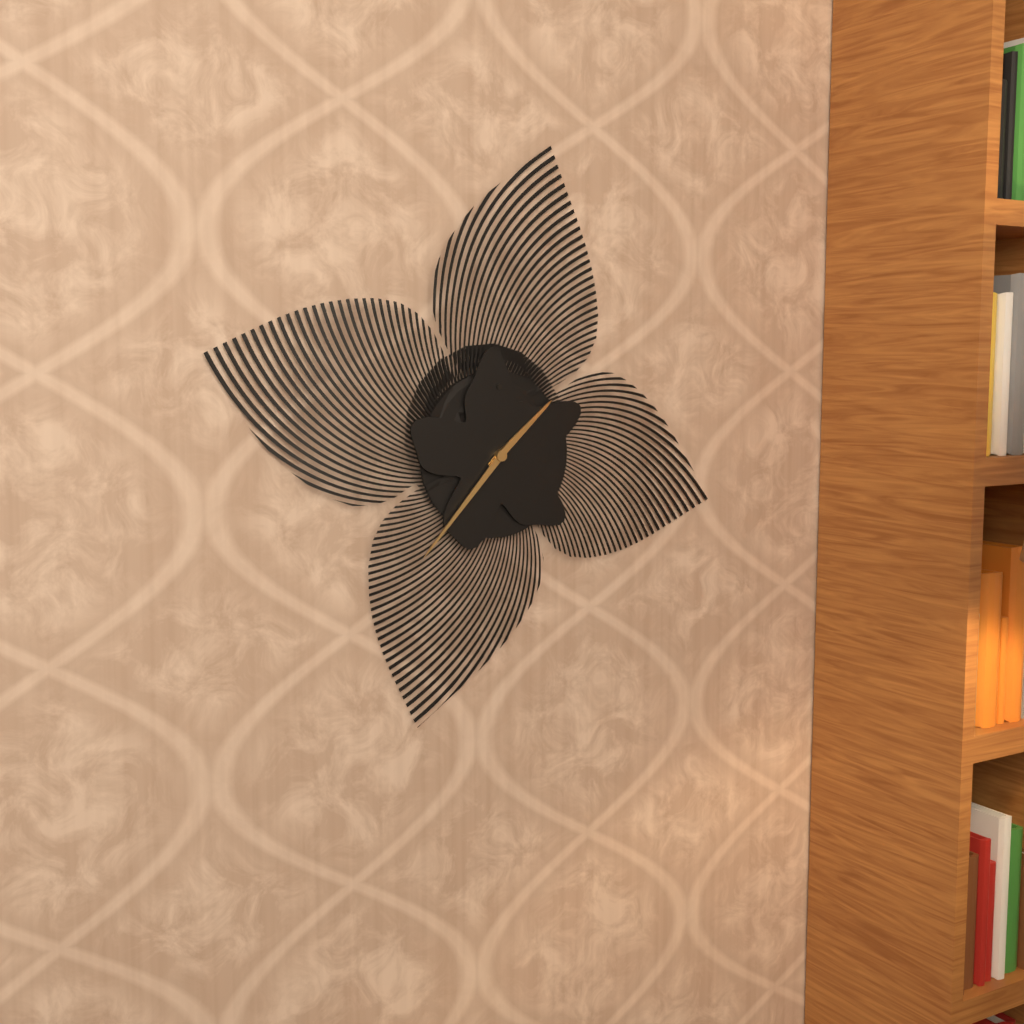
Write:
1,37
